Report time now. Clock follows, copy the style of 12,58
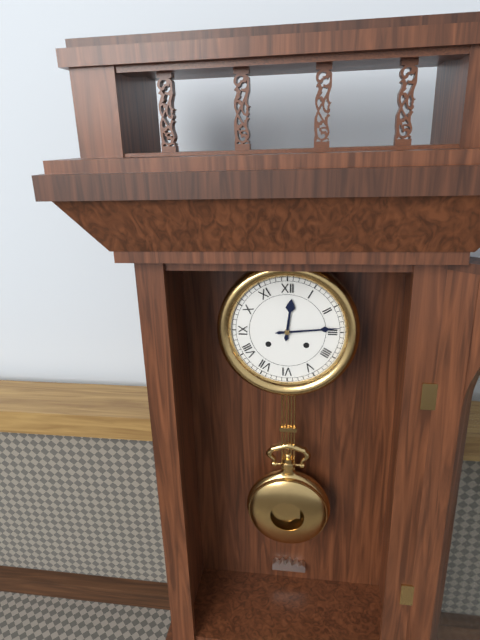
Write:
12,14
